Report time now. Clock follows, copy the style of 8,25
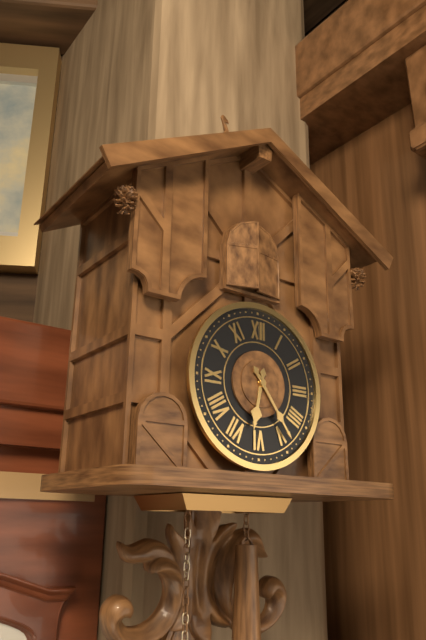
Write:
6,24
